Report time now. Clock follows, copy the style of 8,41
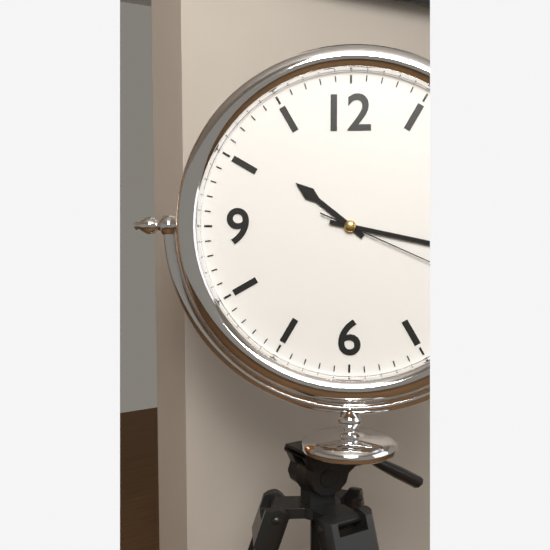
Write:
10,17
